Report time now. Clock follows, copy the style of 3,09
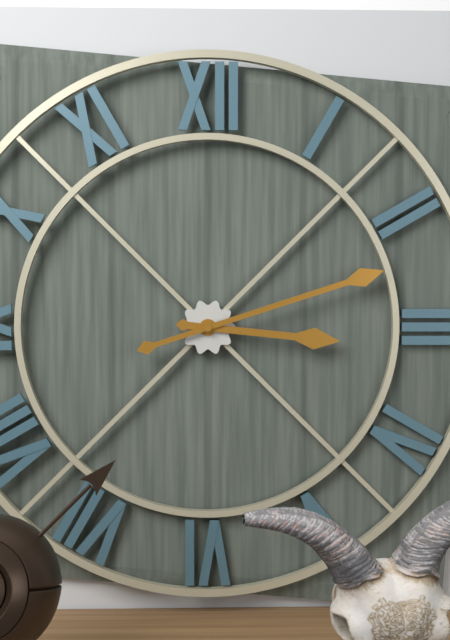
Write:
3,12
